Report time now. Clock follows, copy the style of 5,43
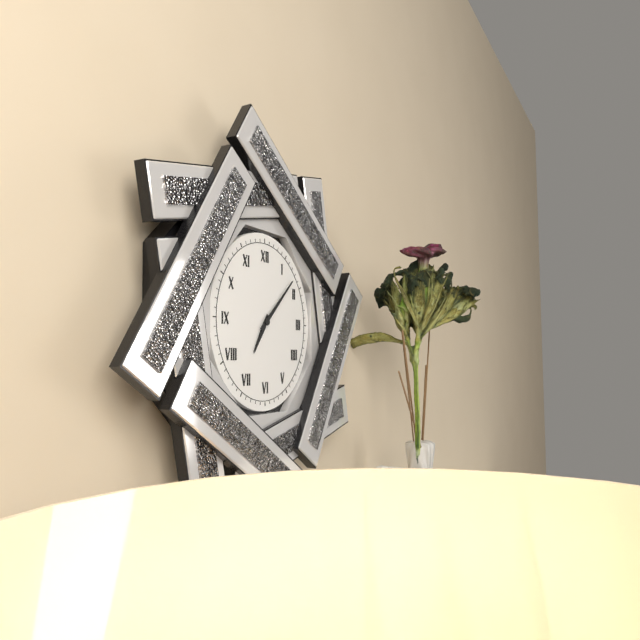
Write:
7,08
